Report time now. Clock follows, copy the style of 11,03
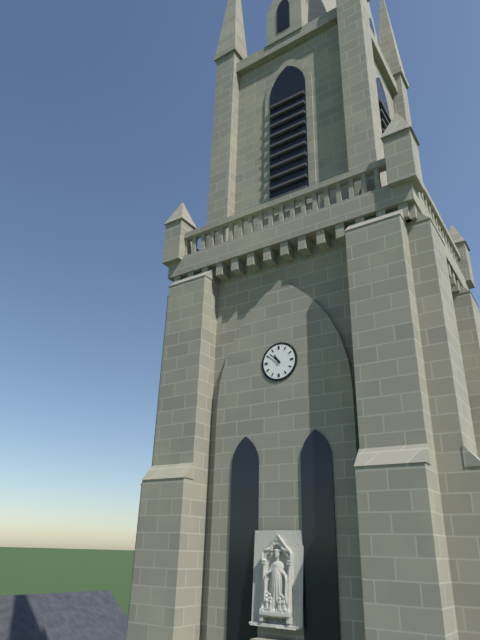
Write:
10,52
